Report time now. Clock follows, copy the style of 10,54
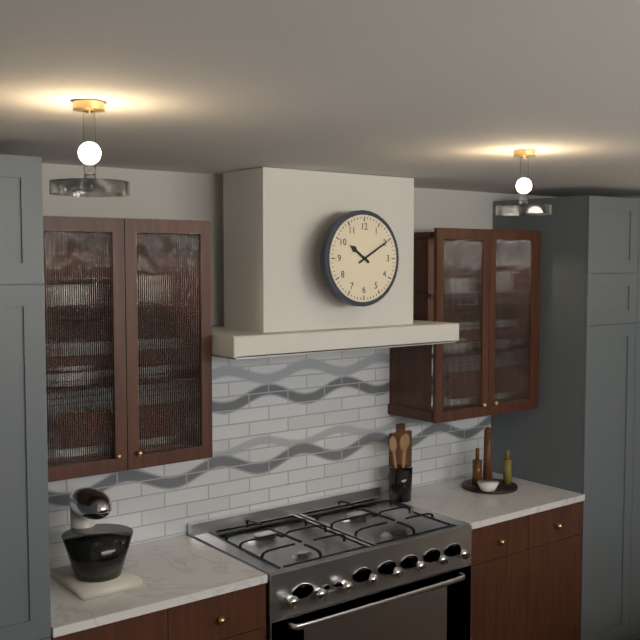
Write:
10,10
